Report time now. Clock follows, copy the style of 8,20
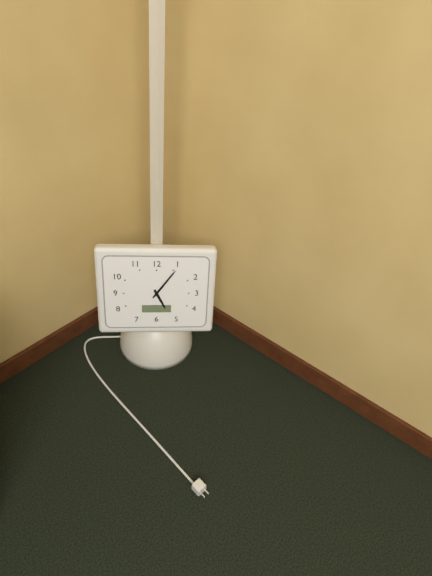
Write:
5,06
